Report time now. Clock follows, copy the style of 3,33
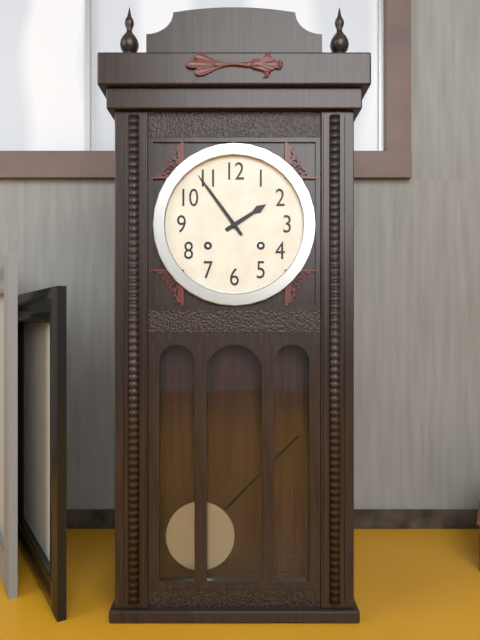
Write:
1,54
